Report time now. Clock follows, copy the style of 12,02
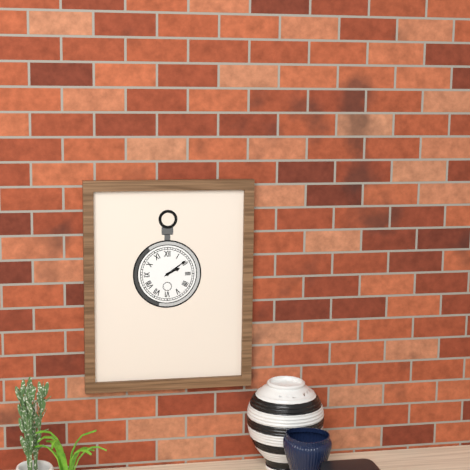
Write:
2,09
